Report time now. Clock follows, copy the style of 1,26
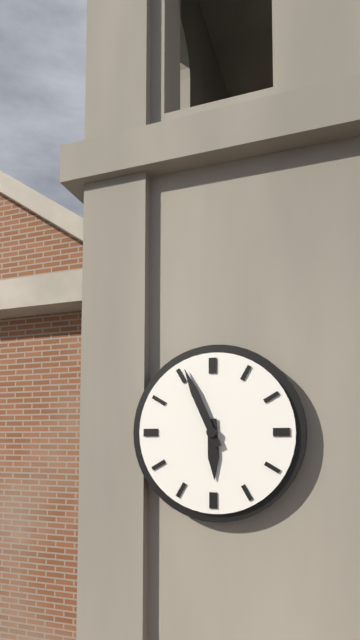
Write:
5,56
